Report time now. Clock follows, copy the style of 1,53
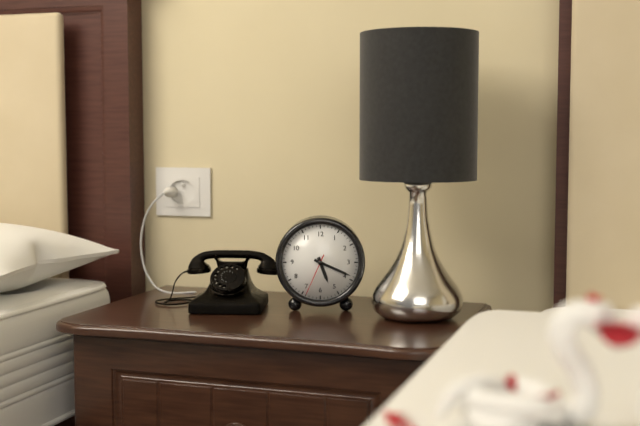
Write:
5,19
